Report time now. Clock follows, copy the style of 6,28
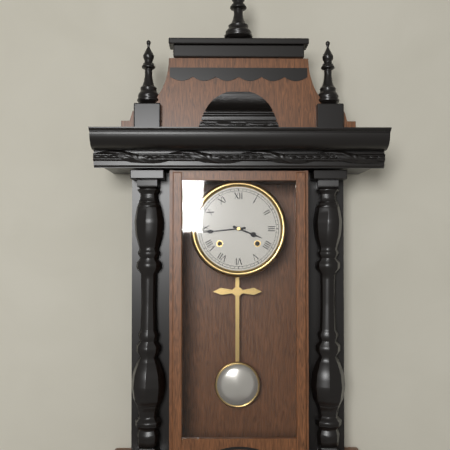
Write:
3,44
